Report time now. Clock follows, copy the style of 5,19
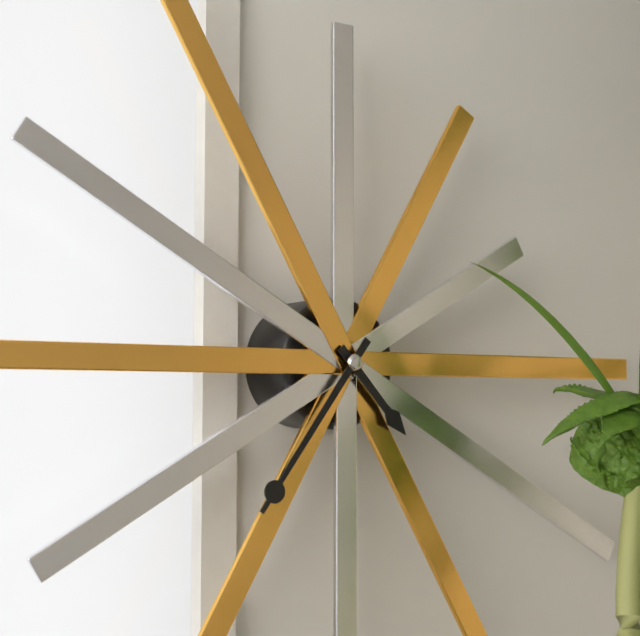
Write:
4,36
